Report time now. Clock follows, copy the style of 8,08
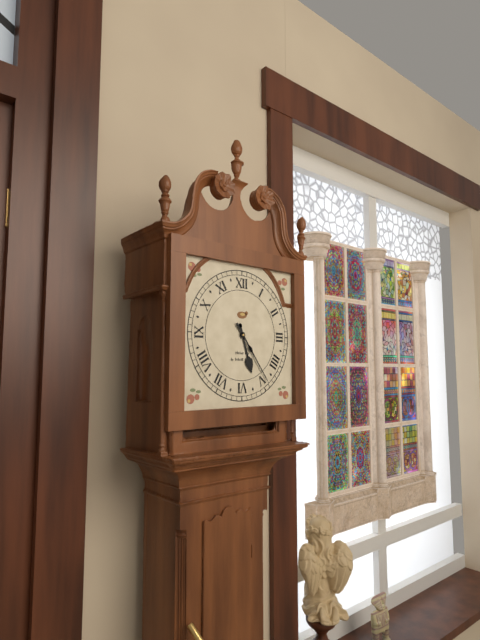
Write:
5,24
